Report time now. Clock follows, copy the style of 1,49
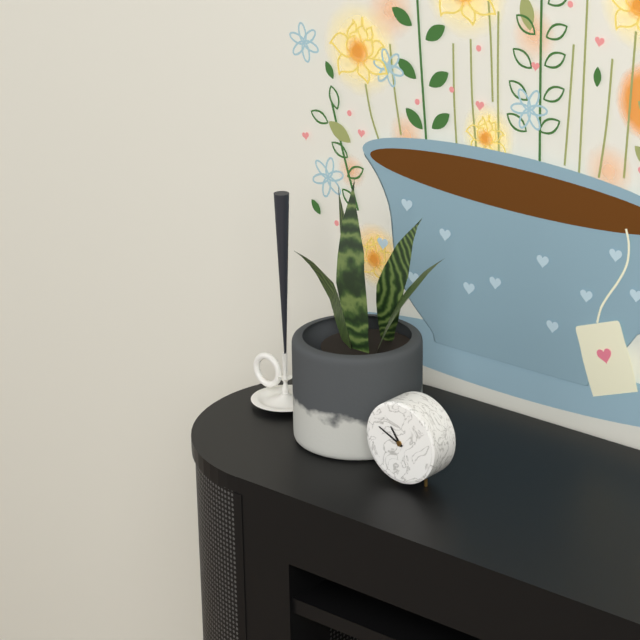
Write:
10,49
